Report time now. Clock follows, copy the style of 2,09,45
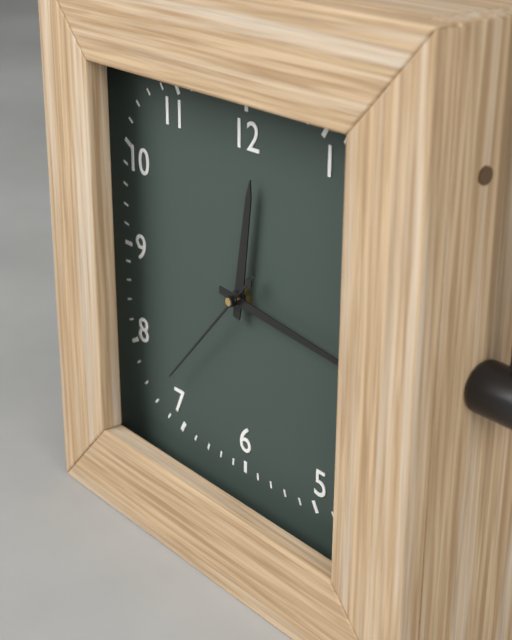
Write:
12,16,37
